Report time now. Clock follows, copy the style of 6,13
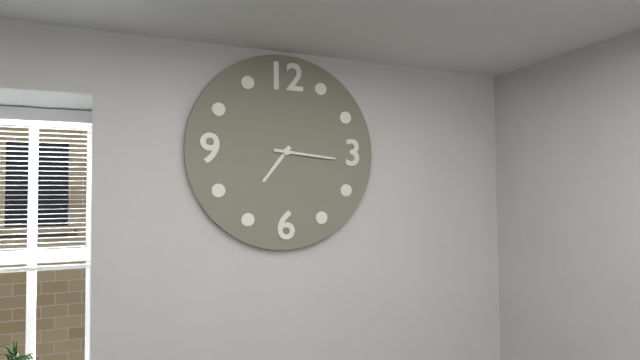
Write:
7,16
